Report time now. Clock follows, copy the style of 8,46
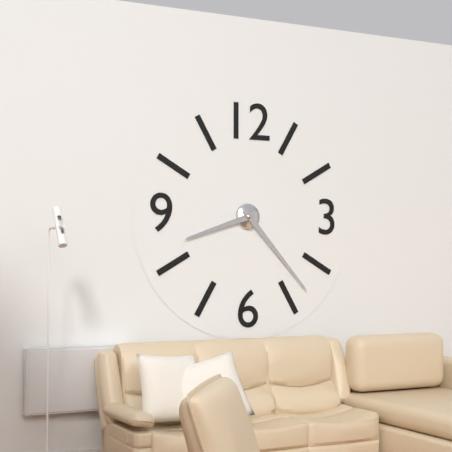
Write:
8,23
